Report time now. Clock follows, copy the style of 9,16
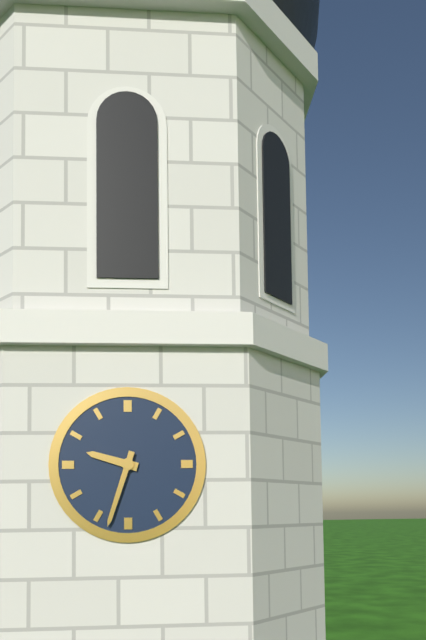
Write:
9,33
